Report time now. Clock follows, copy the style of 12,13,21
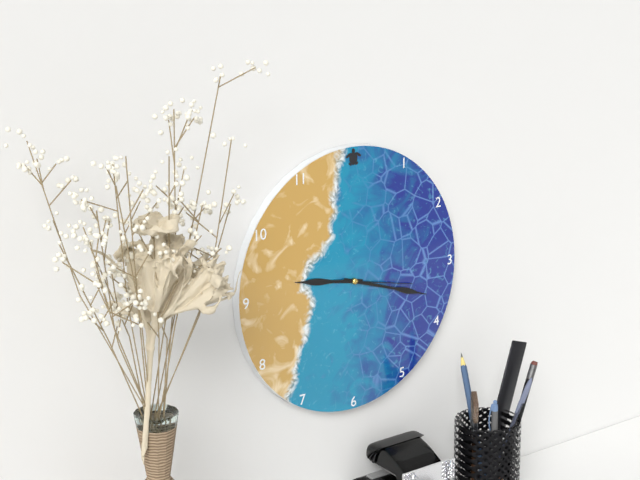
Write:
9,18,17
